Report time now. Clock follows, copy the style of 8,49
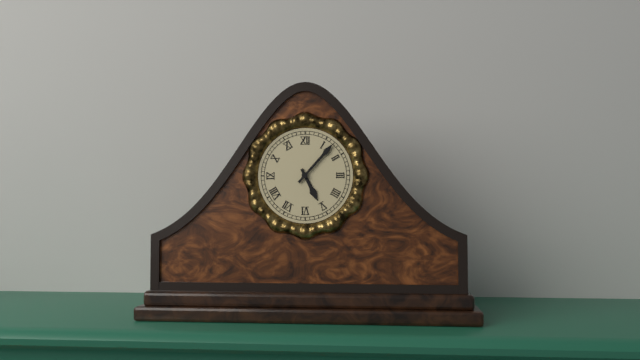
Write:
5,07
